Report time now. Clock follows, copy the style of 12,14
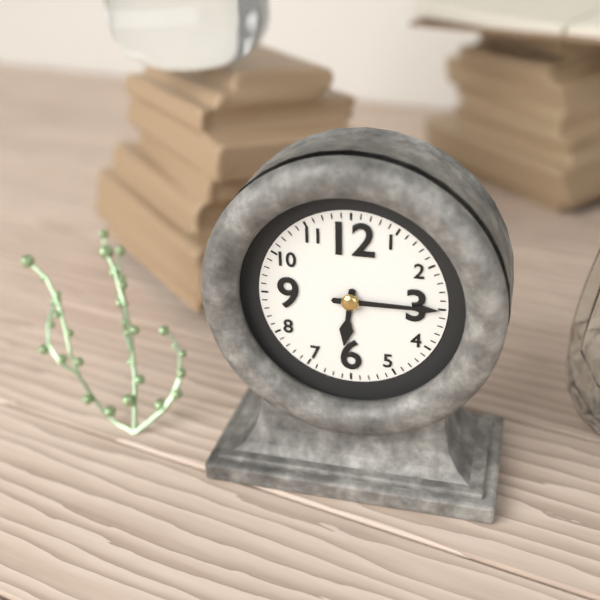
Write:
6,15
